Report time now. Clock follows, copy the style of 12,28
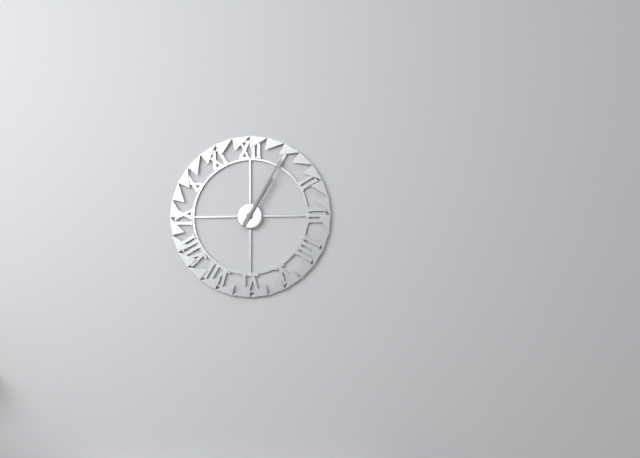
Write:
1,05
